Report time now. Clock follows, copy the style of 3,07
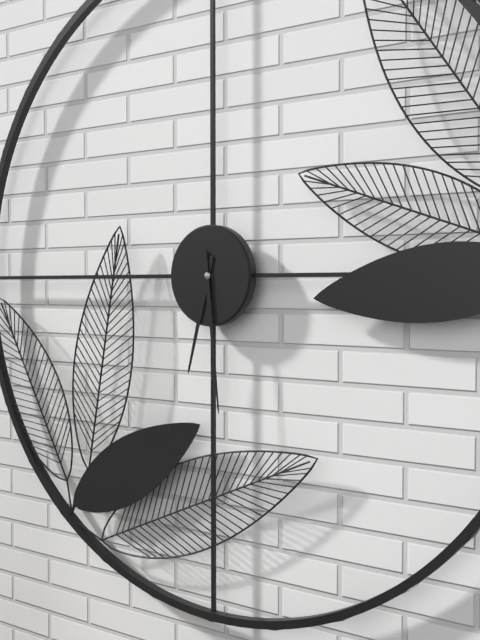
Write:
6,29
